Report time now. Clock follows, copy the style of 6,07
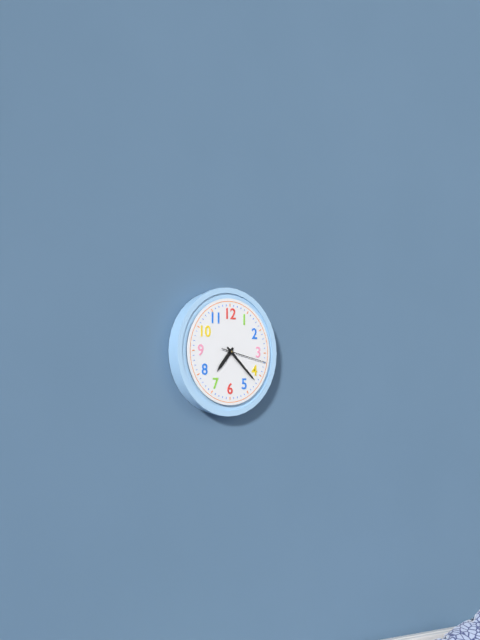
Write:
7,22
